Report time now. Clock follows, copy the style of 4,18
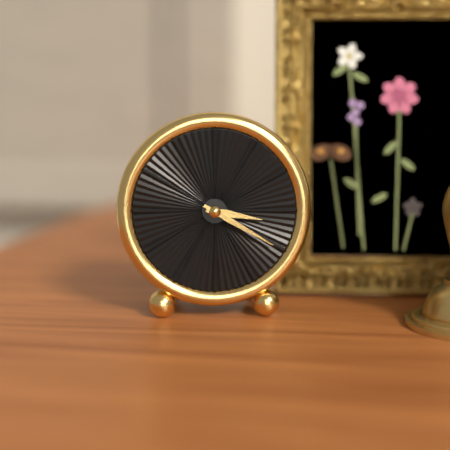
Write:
3,20
